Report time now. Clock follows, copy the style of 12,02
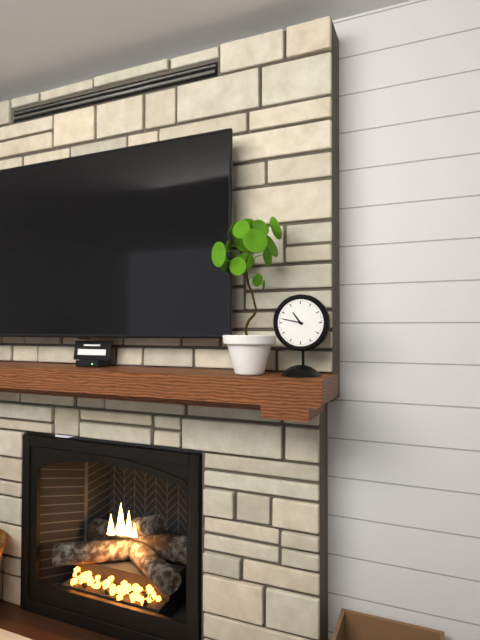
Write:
10,47
